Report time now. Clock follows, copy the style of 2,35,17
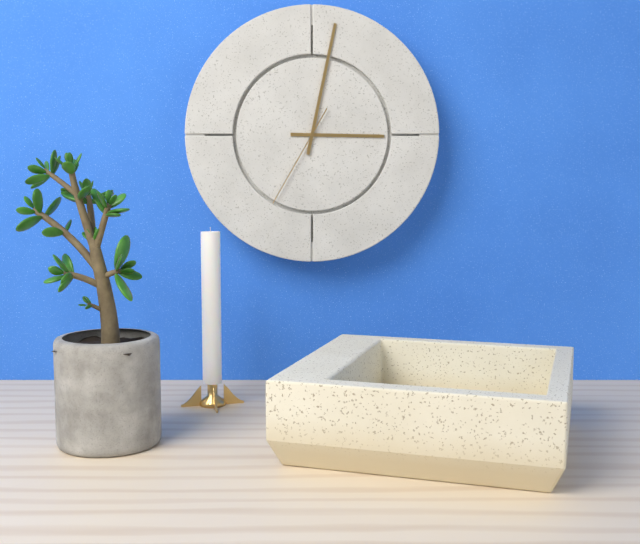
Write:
3,02,35
